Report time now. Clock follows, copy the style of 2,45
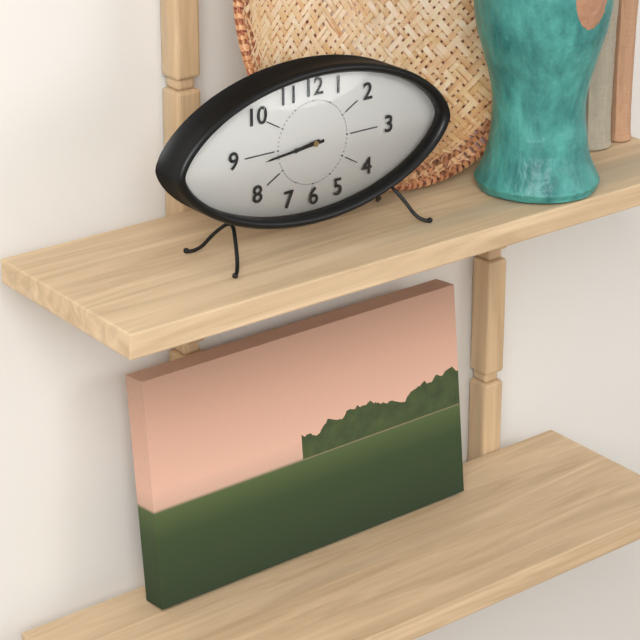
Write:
8,44
